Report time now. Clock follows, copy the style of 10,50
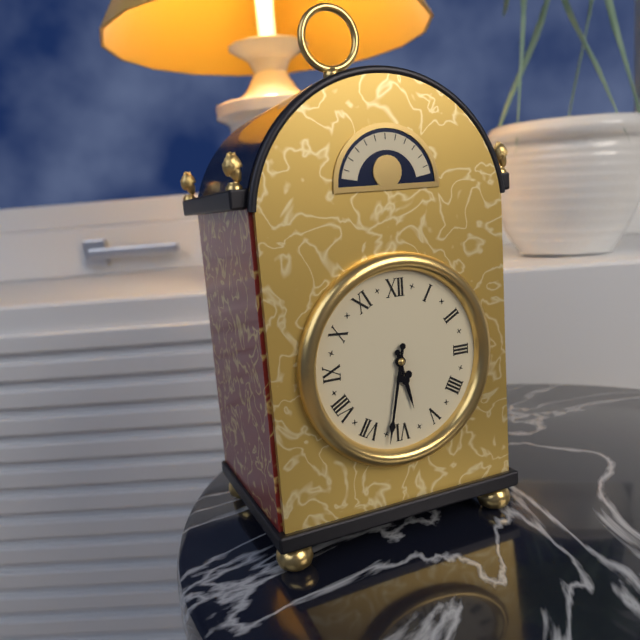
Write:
5,32
